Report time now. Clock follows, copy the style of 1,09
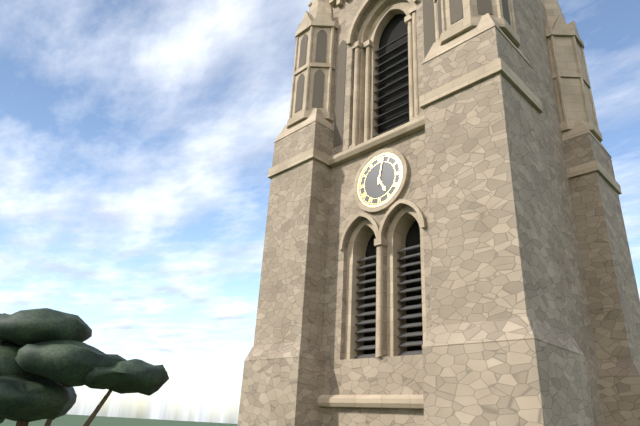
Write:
5,02
